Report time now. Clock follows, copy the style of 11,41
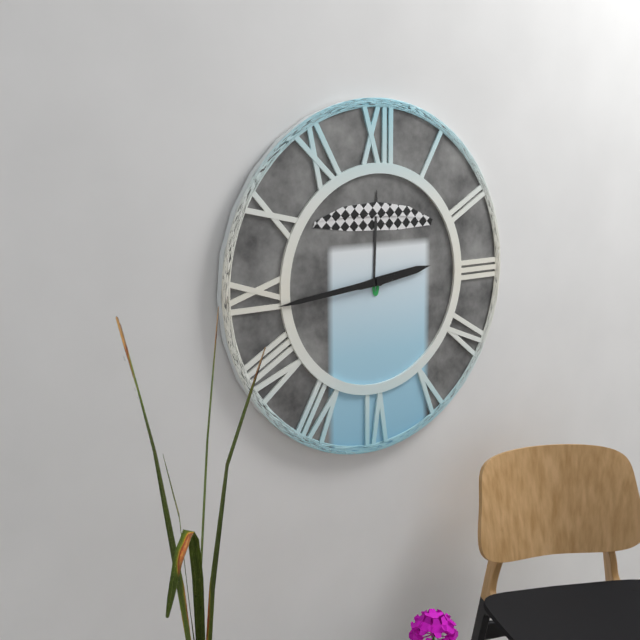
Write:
2,44
